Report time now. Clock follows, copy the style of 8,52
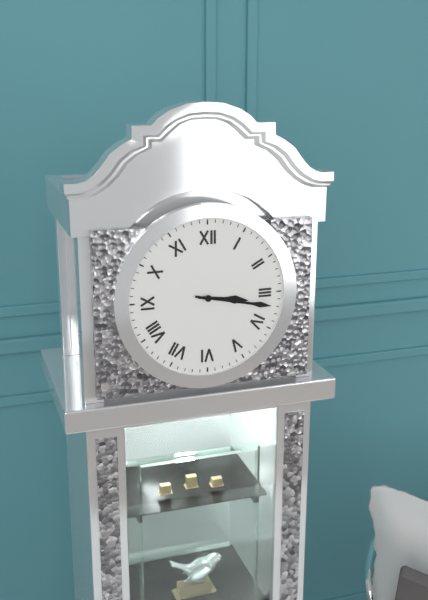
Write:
3,17
